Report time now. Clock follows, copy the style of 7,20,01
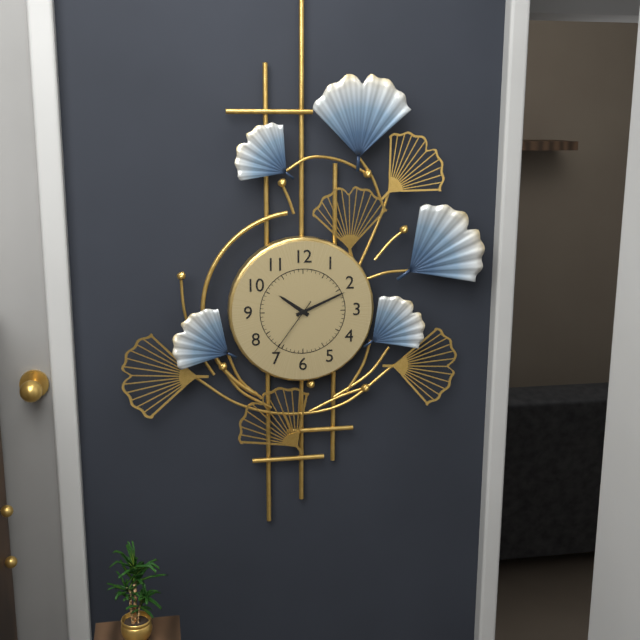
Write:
10,11,36
